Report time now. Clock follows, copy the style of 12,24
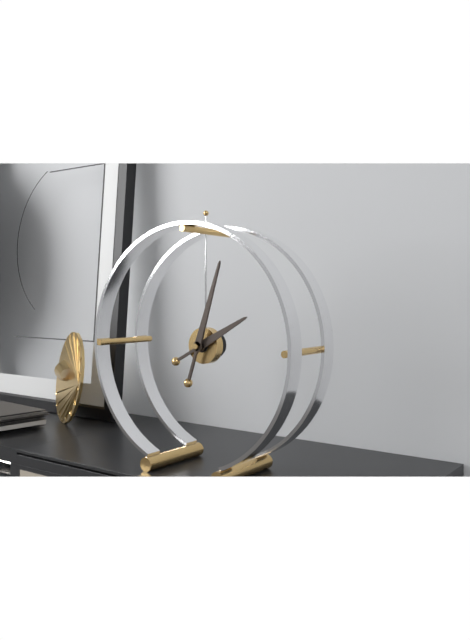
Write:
2,03
